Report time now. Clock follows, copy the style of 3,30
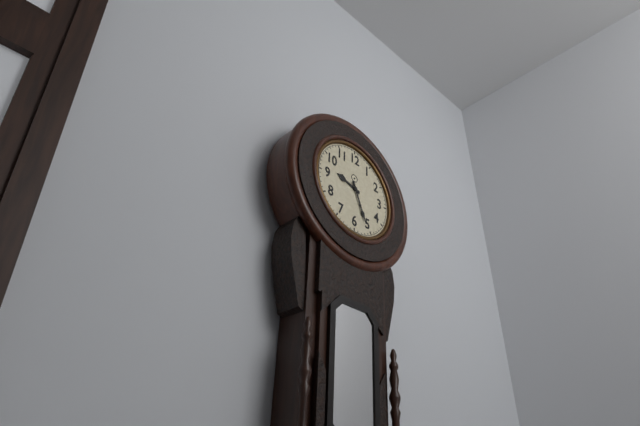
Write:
9,26
